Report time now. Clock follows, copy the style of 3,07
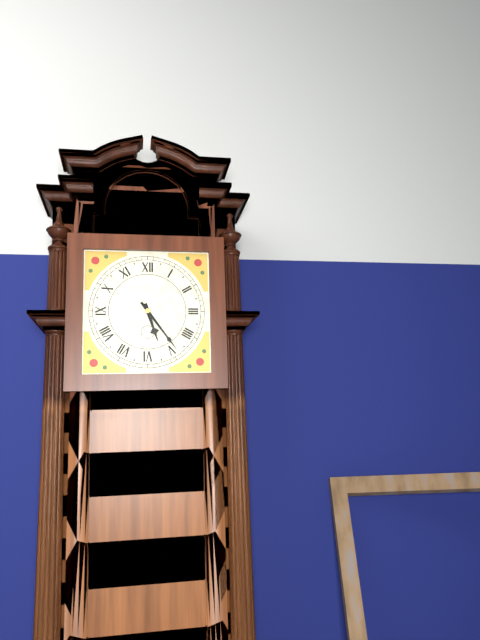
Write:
5,24
